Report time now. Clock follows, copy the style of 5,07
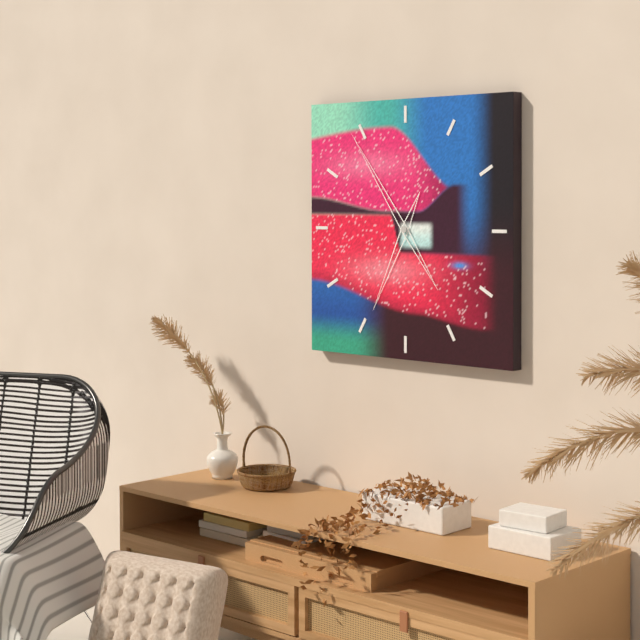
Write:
6,54
